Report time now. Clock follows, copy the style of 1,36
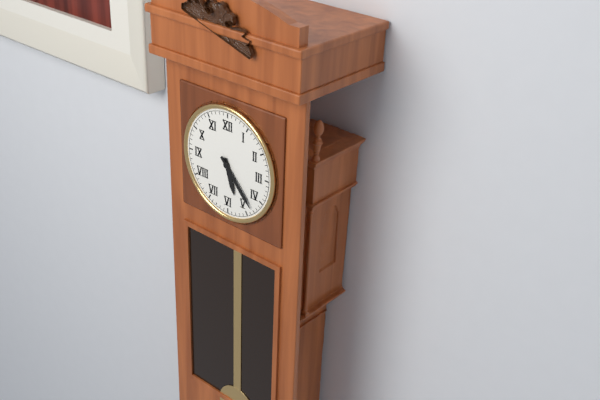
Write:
5,23
